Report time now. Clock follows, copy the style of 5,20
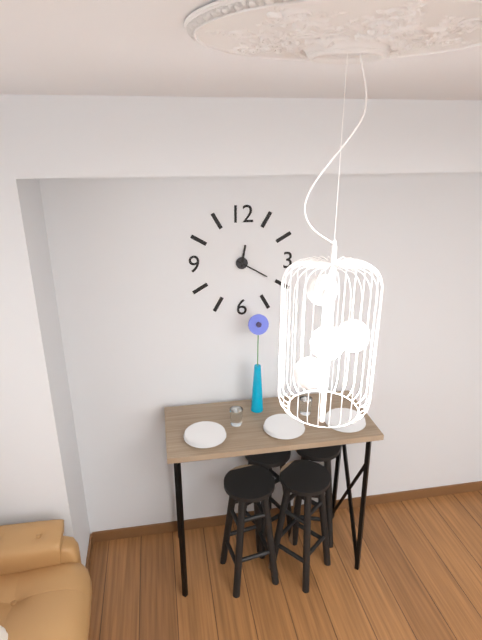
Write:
12,20
